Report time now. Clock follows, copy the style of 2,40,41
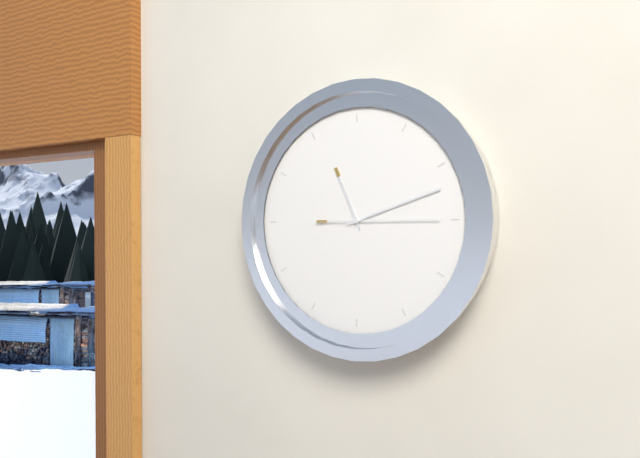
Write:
11,12,15
